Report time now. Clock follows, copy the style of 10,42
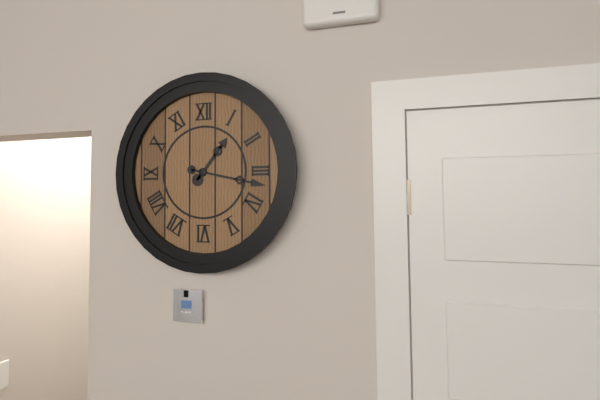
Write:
1,17
